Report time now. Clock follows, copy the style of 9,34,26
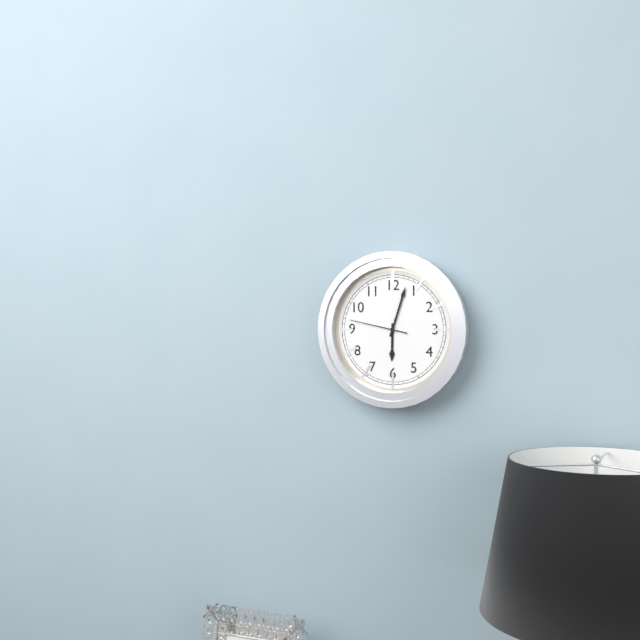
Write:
6,03,47
